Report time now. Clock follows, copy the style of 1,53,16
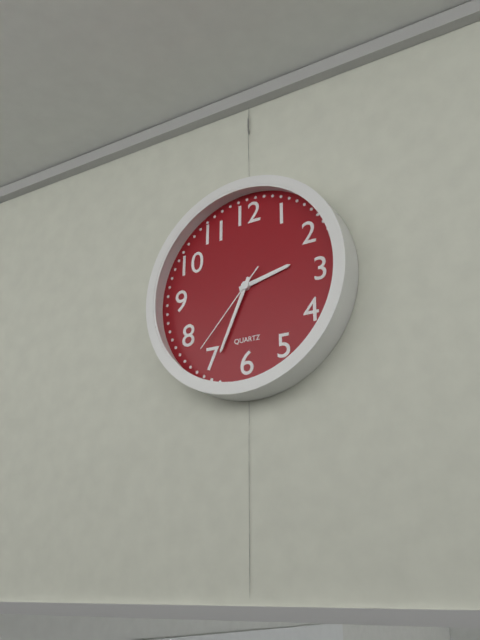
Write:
2,34,37
